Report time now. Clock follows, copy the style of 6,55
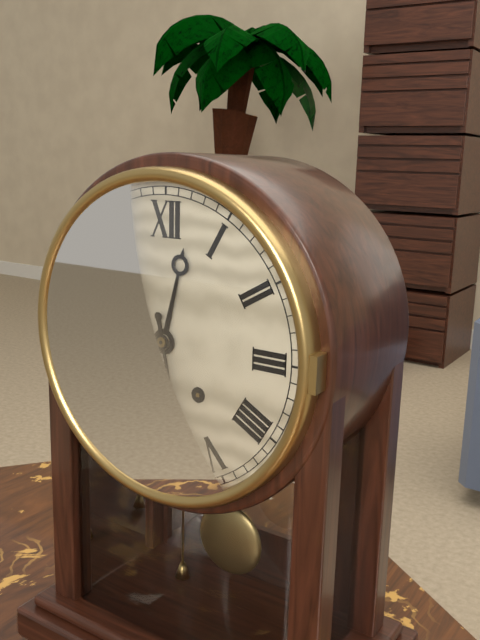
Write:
12,28
